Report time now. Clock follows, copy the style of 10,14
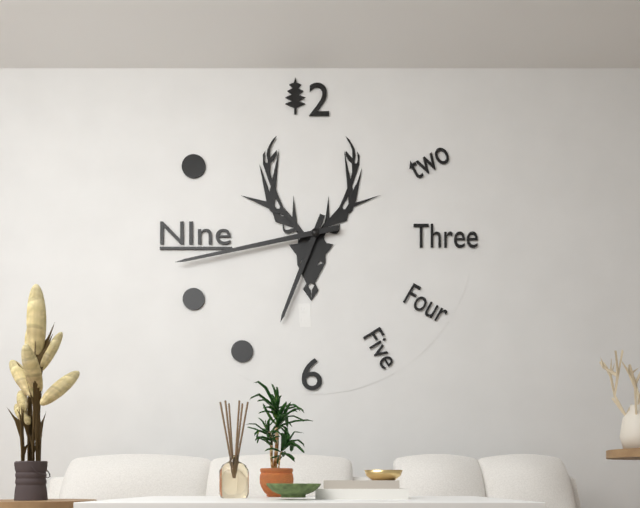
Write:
6,43
